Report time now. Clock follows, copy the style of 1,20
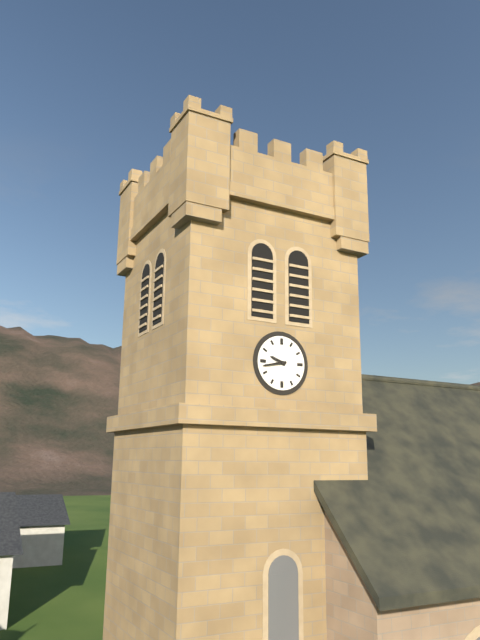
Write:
9,43
